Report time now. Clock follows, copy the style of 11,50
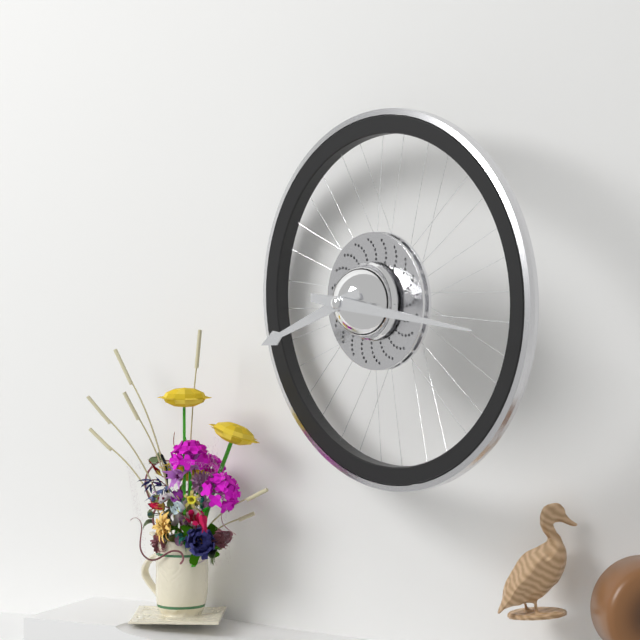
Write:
8,16
